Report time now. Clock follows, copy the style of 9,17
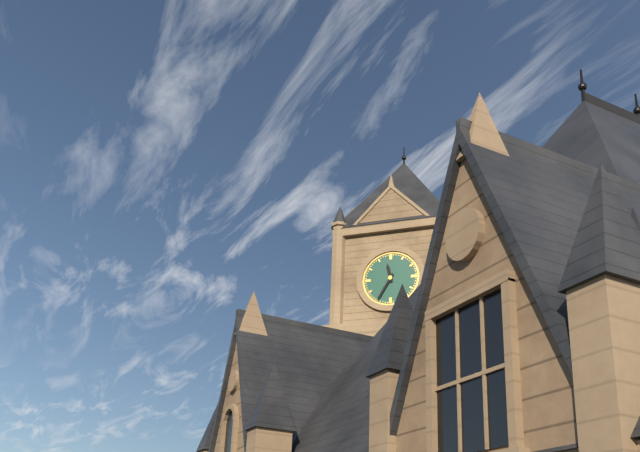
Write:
11,35
